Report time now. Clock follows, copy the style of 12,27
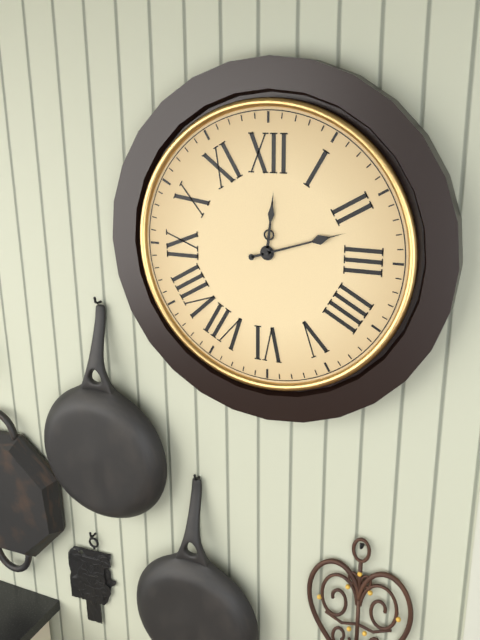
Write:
12,12
